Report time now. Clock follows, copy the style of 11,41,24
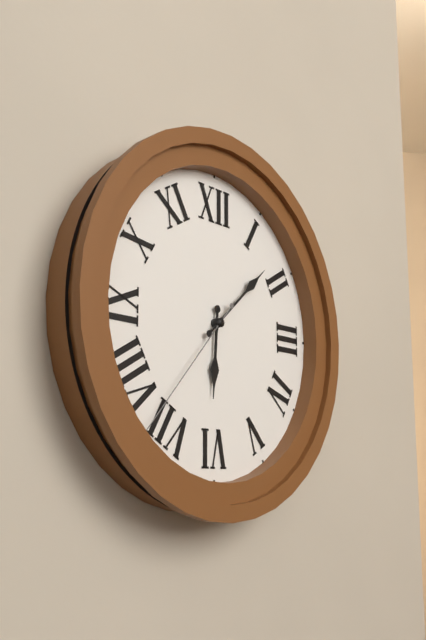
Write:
6,08,37
